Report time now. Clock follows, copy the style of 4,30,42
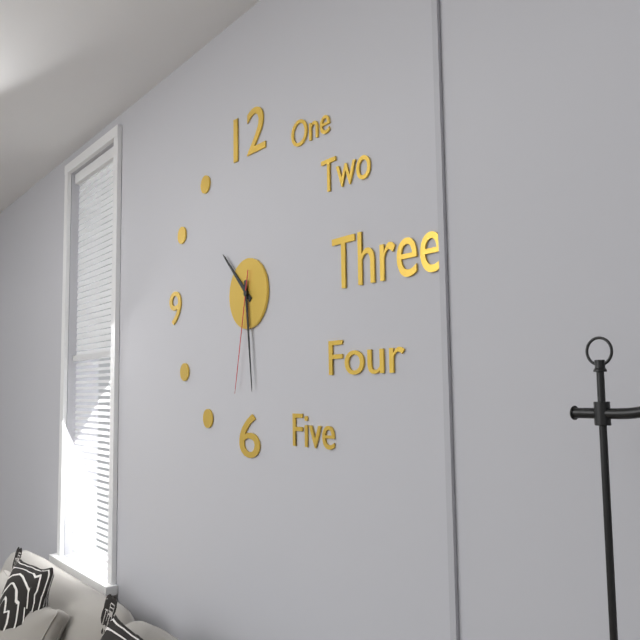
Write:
10,29,32
